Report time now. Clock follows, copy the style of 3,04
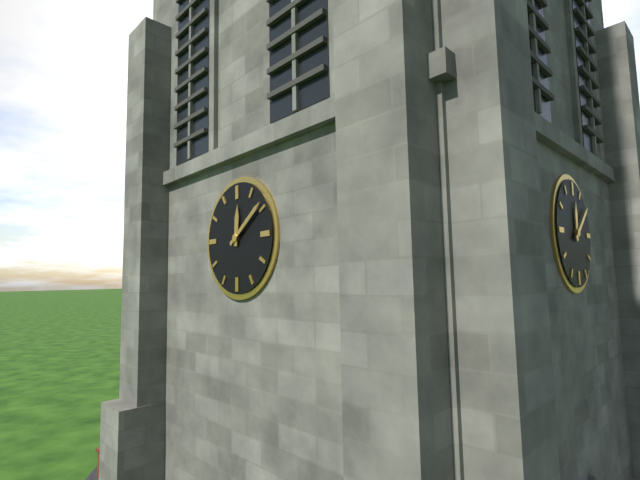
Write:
12,09
